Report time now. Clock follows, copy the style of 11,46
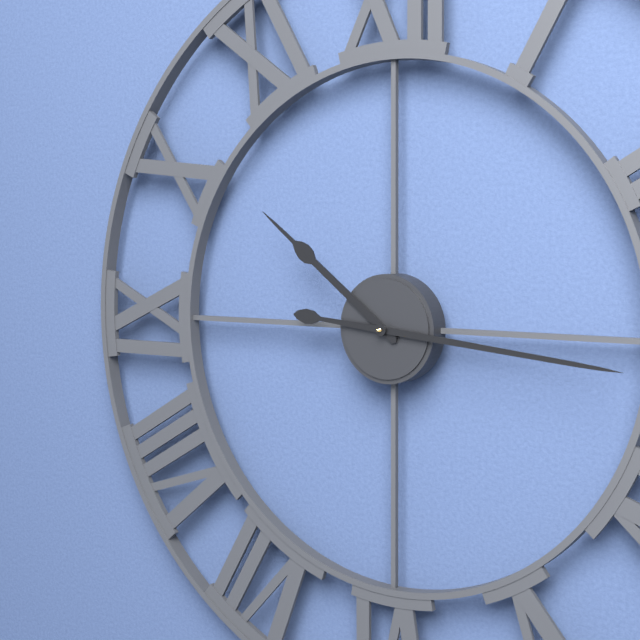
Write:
10,16
